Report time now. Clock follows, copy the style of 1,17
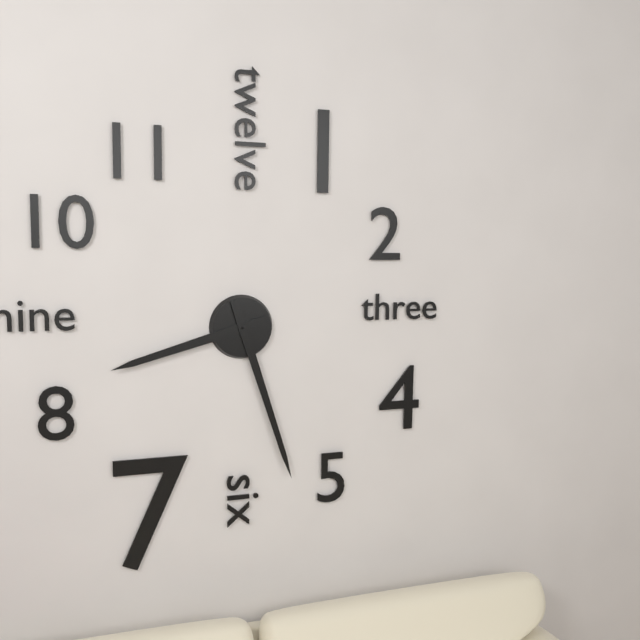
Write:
8,27
